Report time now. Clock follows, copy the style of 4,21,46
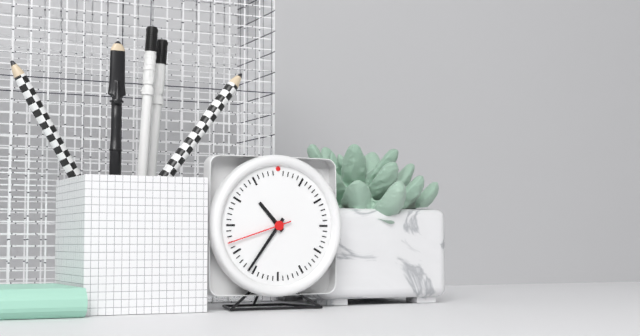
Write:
10,36,42
